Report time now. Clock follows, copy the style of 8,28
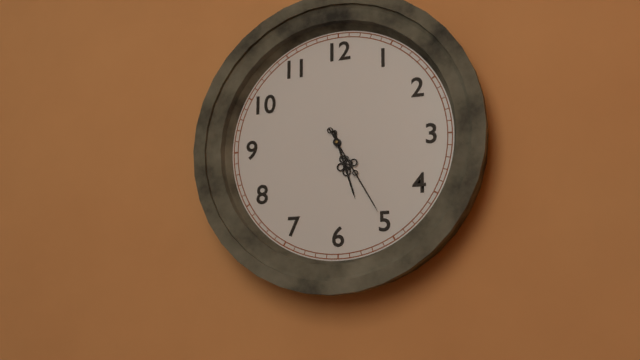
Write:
5,25
